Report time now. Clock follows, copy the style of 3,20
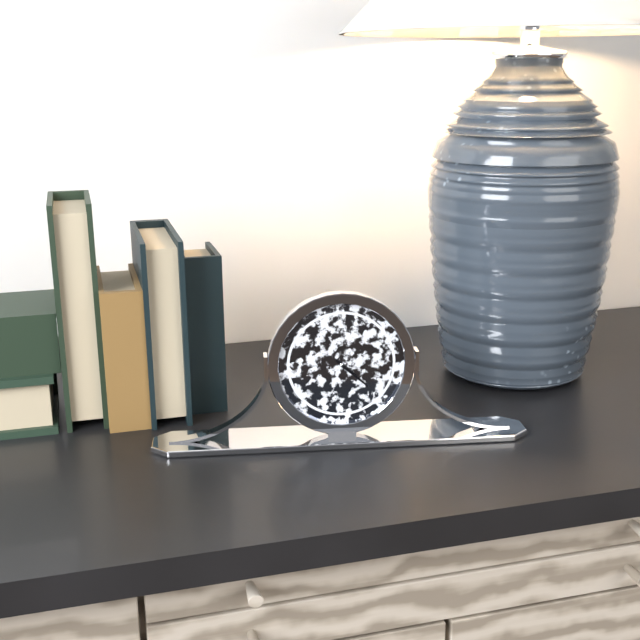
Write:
4,22
